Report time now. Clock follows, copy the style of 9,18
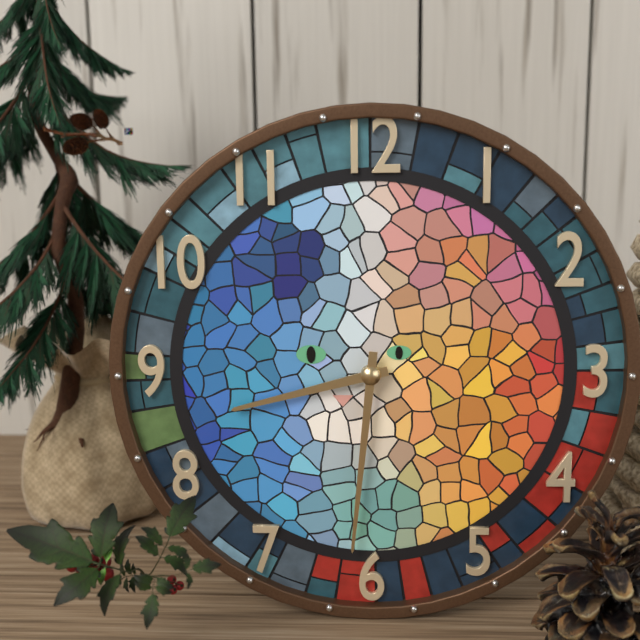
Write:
8,31
